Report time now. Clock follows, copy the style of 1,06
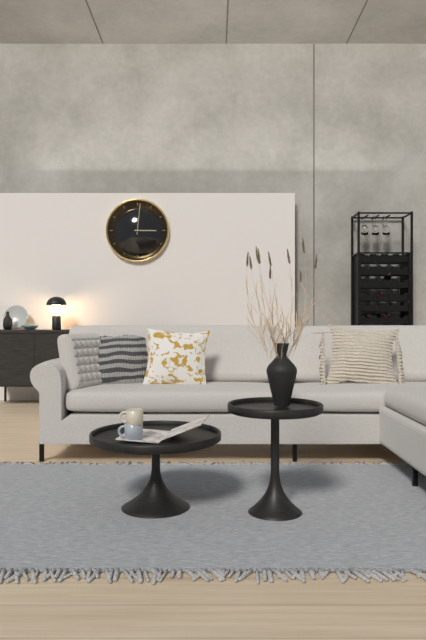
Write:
3,01
